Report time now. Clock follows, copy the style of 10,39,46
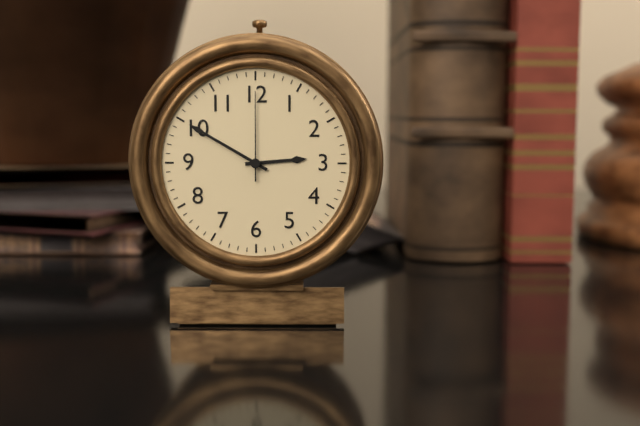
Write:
2,50,00
